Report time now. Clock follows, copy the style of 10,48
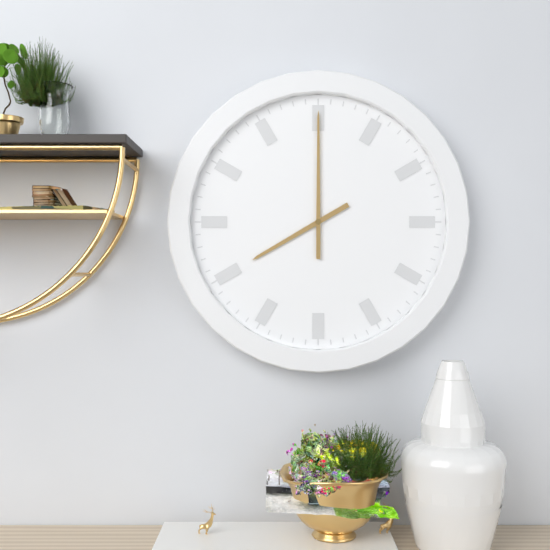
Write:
8,00
